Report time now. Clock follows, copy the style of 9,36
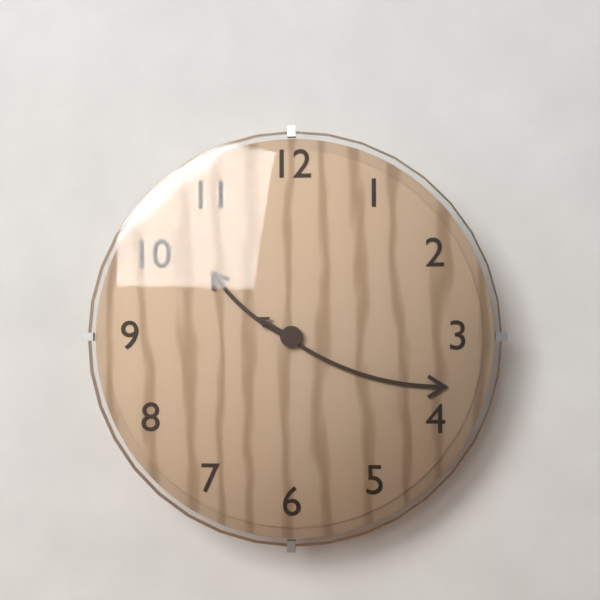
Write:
10,18
